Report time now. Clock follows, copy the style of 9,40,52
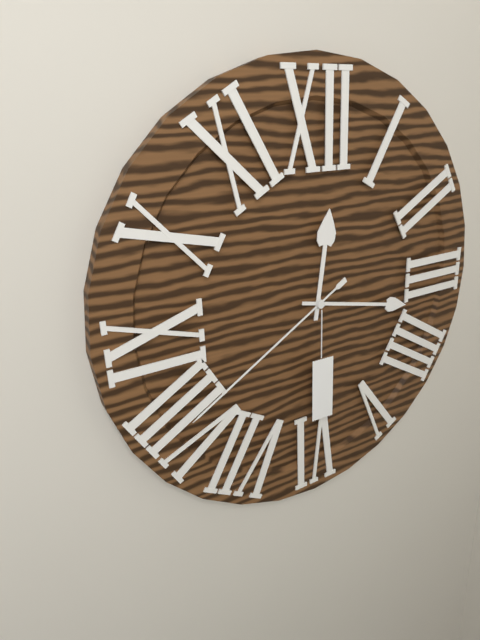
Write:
12,17,40
